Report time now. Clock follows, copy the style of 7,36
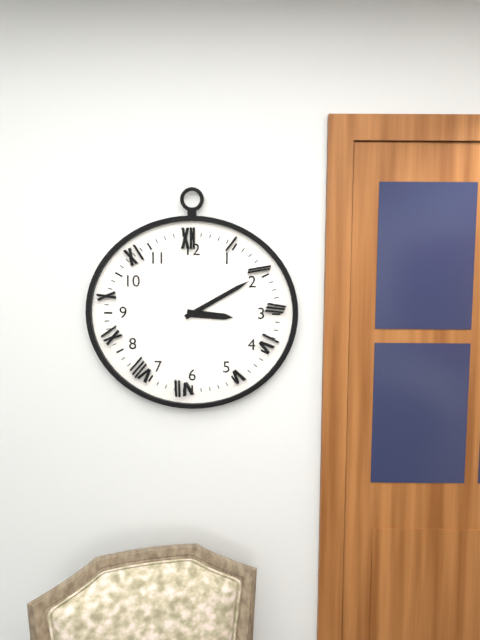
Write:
3,10
